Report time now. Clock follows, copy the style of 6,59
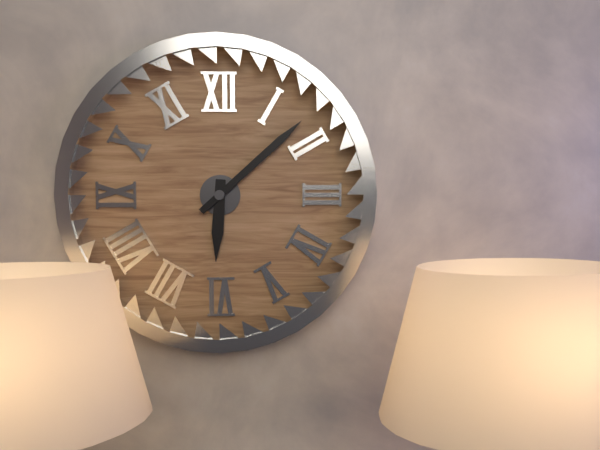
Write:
6,08
